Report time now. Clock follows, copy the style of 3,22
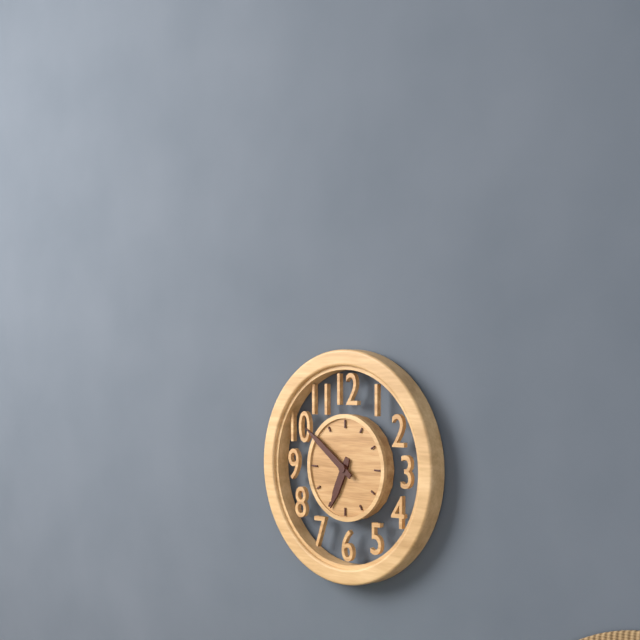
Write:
6,51
